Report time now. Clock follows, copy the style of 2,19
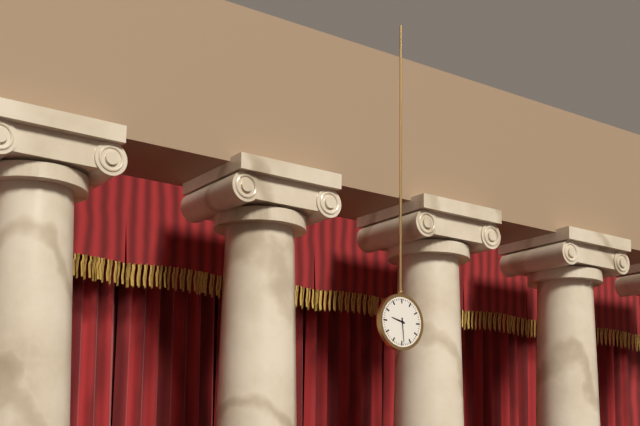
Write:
9,29
